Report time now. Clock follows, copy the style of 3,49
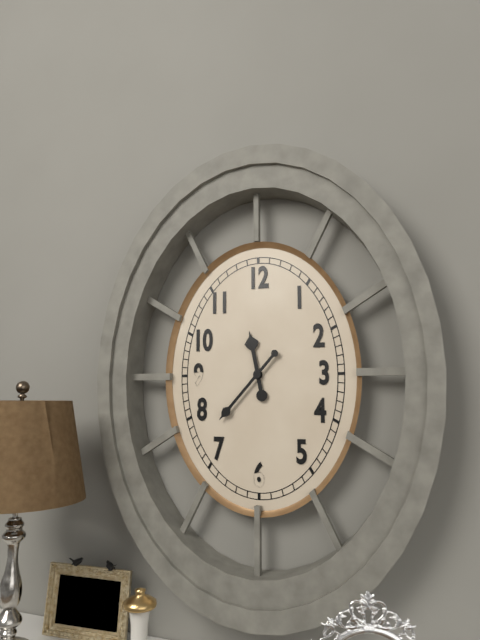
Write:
11,37
